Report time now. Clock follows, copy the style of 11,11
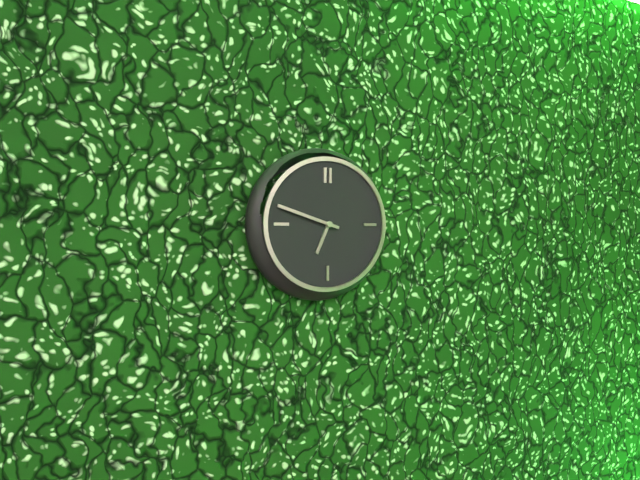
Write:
6,48
